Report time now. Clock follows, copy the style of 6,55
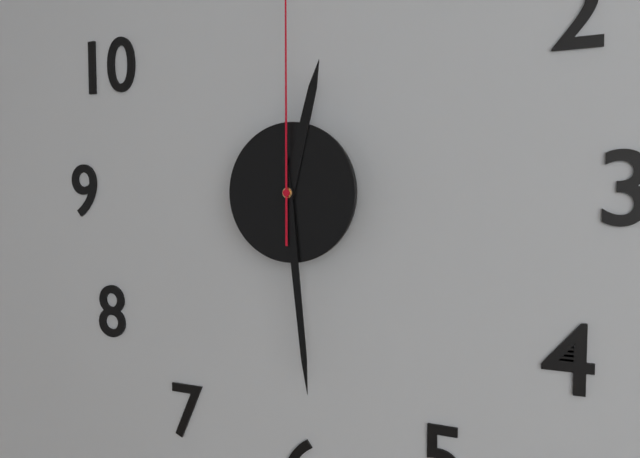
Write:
12,29
